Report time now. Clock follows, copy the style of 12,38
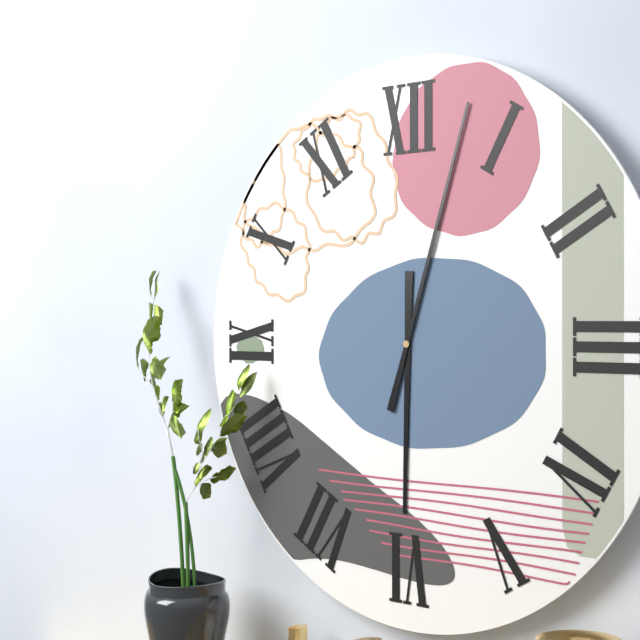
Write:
6,03
